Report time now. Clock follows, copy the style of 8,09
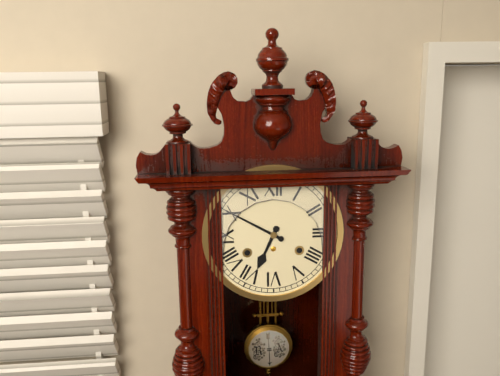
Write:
6,50
